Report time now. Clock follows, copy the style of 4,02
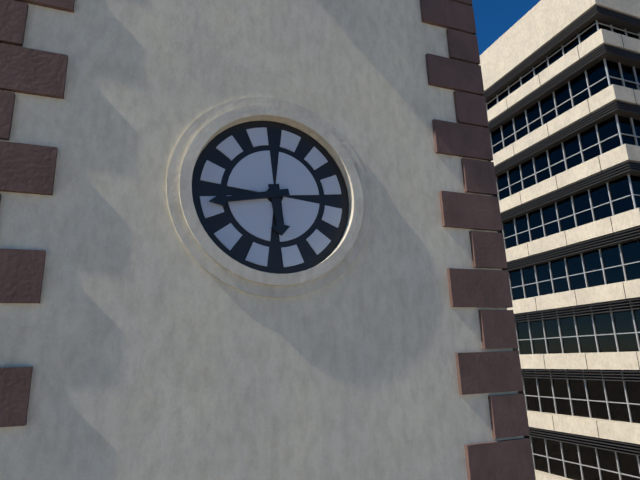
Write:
5,43
